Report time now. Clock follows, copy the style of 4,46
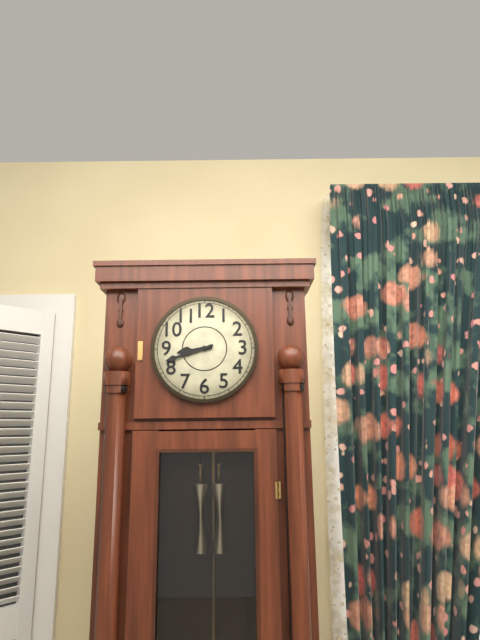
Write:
8,42
